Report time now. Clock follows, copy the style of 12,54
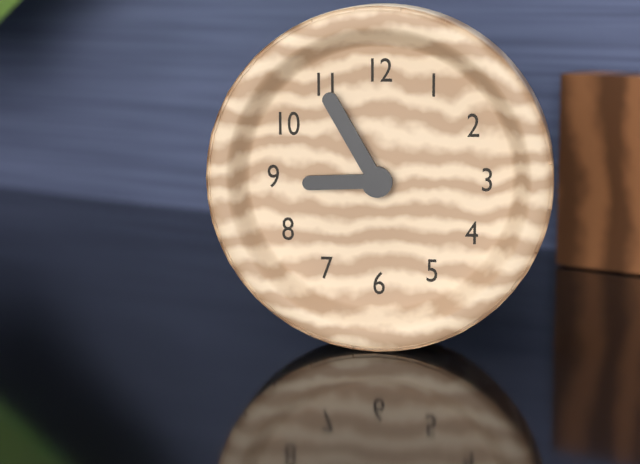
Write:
8,55
